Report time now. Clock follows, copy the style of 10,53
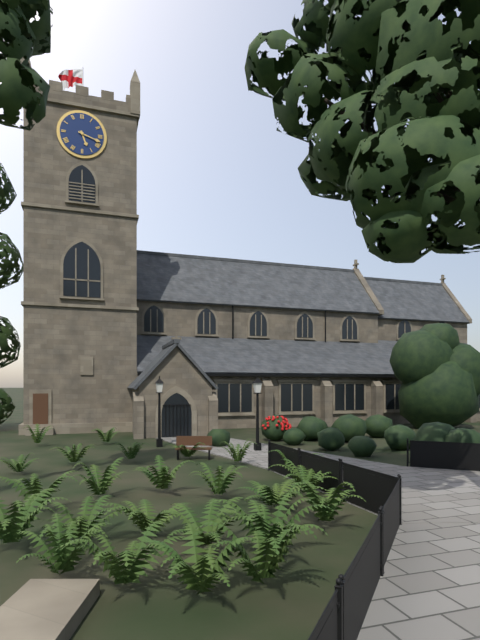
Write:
5,18
